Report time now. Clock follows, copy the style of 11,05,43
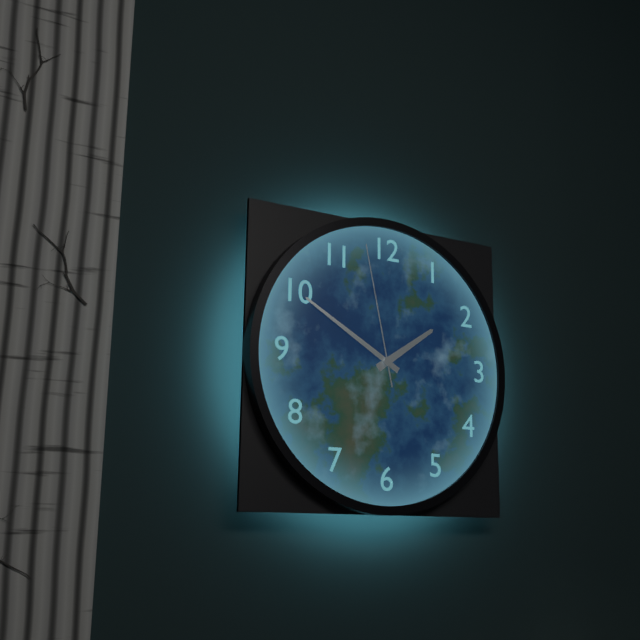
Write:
1,50,58
